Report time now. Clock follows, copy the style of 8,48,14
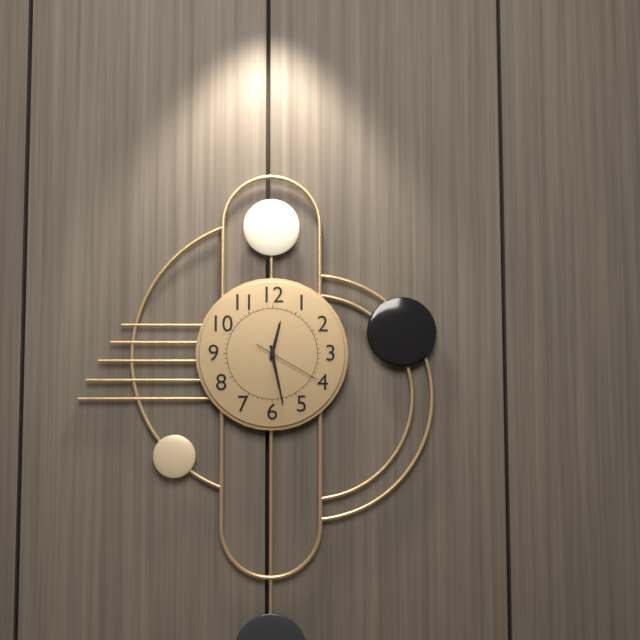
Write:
12,28,20
